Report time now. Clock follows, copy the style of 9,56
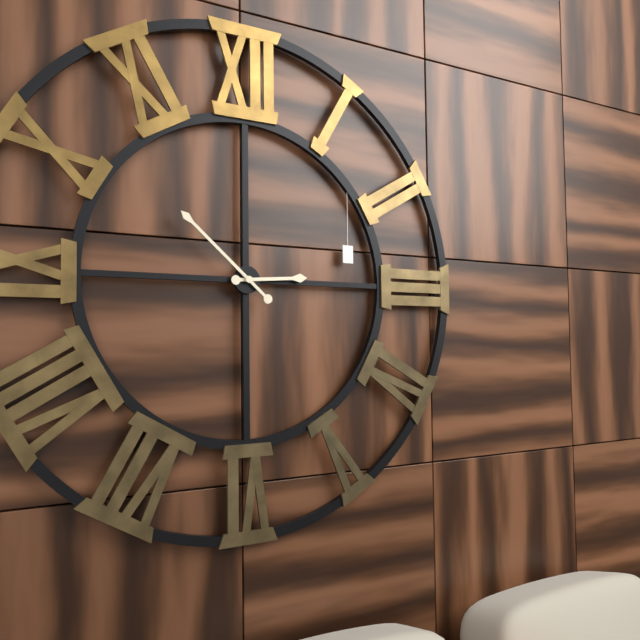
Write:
2,52
